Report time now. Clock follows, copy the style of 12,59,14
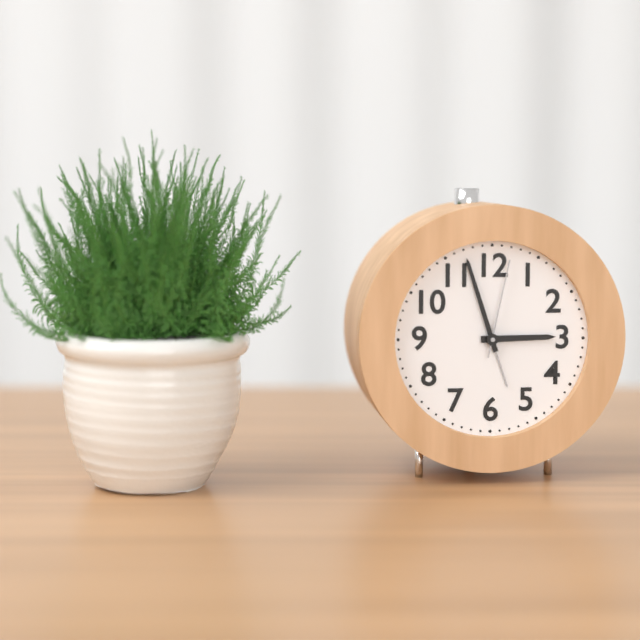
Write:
2,57,02
